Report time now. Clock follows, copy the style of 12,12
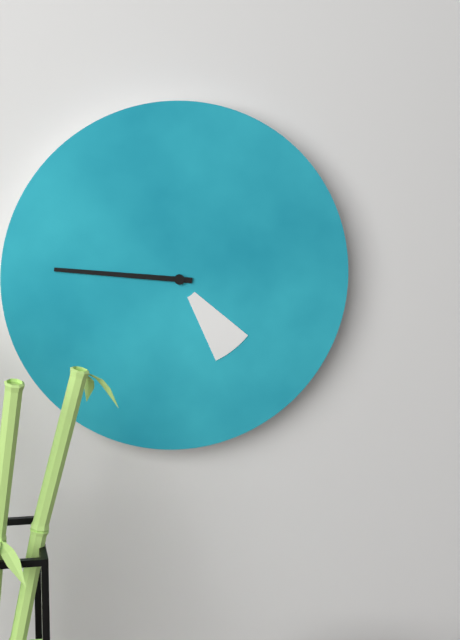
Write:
4,46
